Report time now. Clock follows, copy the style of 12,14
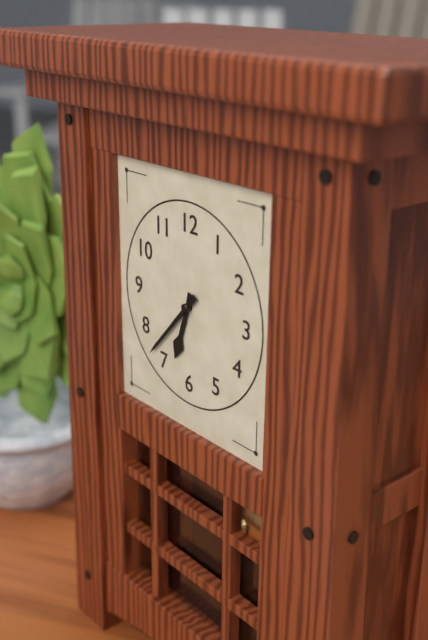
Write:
6,37
